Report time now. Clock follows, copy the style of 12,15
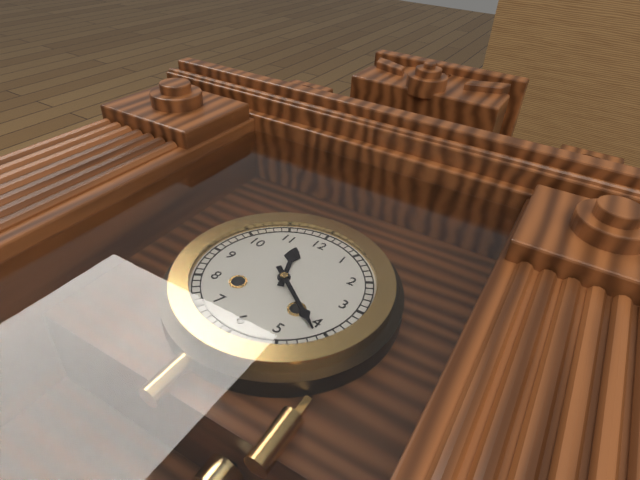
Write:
11,21
